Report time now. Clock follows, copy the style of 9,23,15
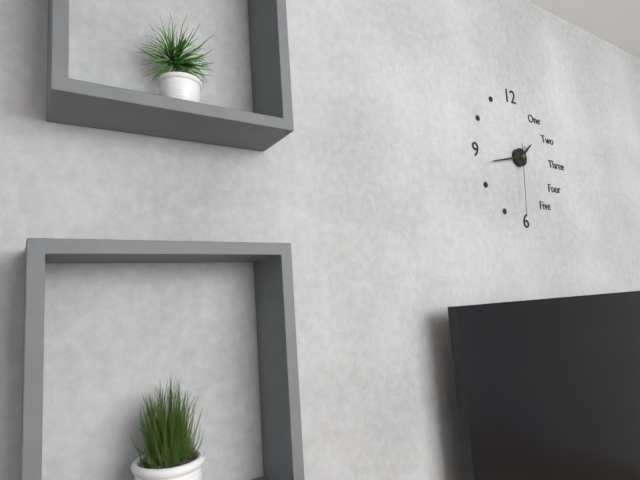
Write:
1,43,31
